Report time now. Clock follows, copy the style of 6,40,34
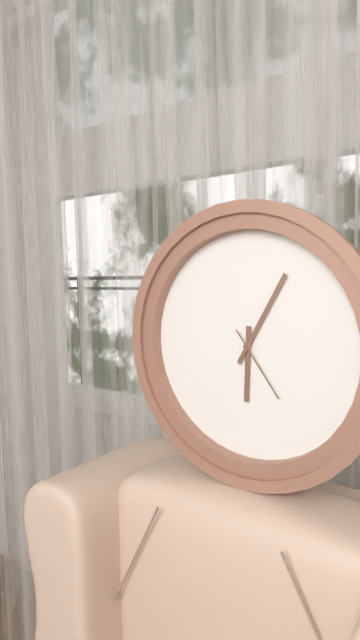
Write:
6,05,24
